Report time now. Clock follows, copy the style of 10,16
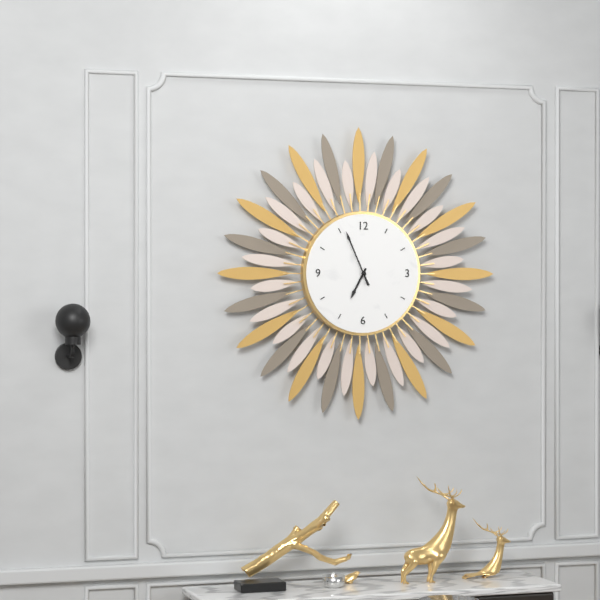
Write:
6,56
